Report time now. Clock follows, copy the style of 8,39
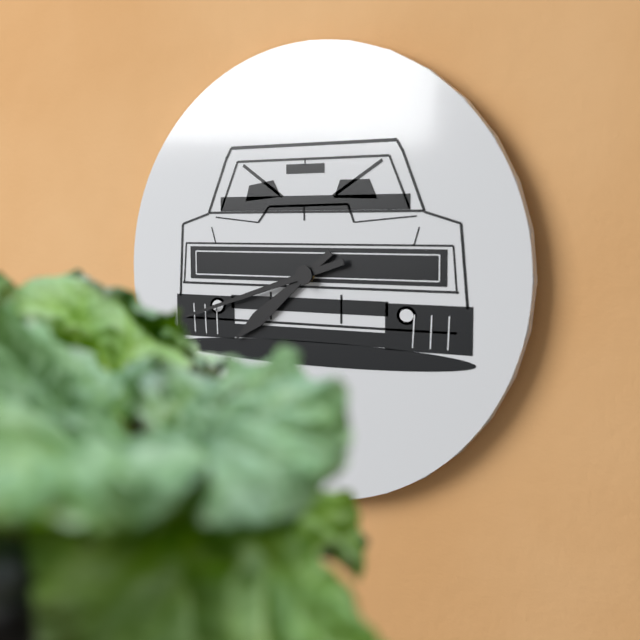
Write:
7,42
